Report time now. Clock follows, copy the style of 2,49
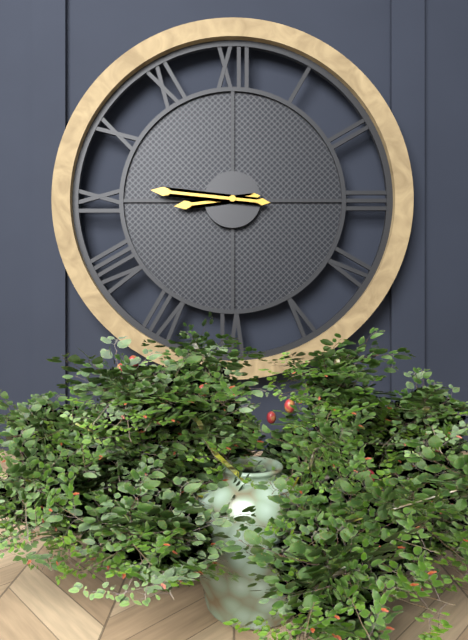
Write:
8,46
